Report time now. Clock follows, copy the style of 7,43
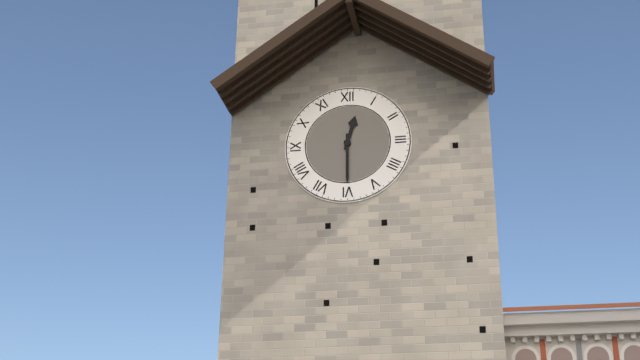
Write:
12,30
